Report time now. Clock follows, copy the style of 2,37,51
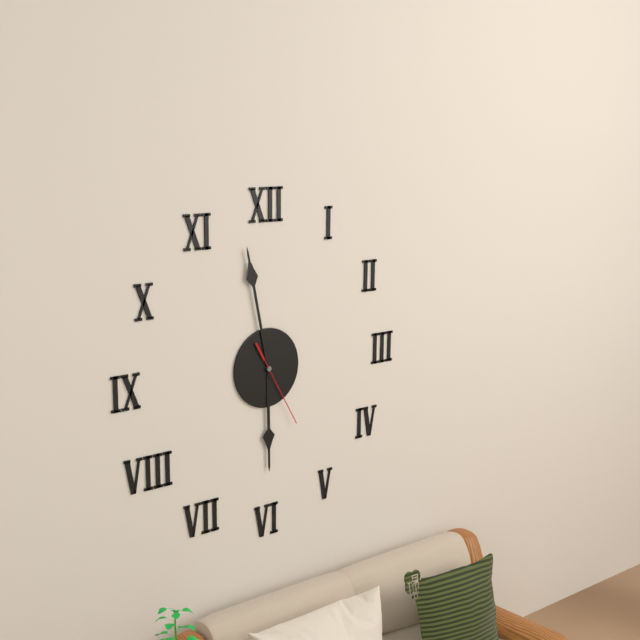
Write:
5,58,25
